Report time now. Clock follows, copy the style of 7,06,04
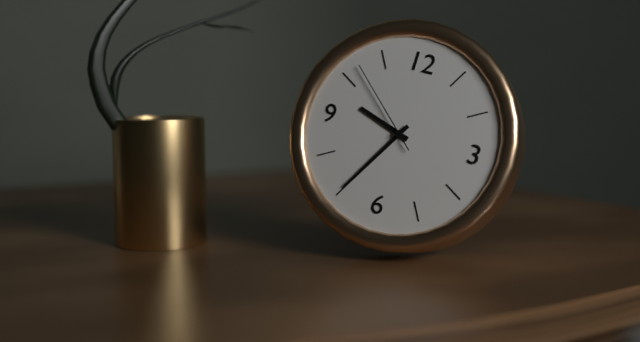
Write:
9,35,52
